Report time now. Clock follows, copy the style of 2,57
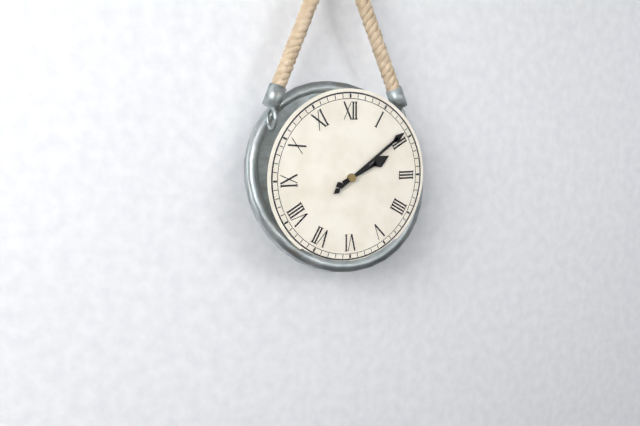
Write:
2,09
